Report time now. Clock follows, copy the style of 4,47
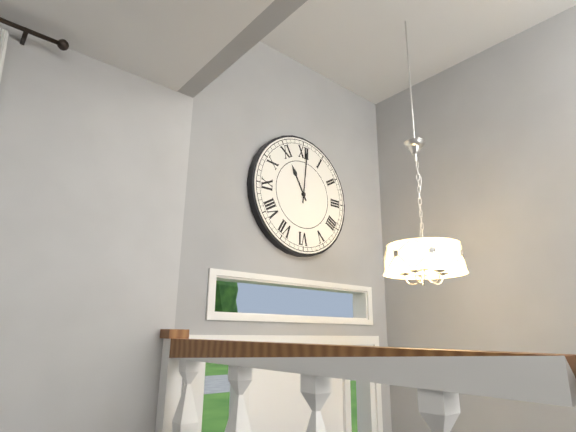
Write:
11,01
